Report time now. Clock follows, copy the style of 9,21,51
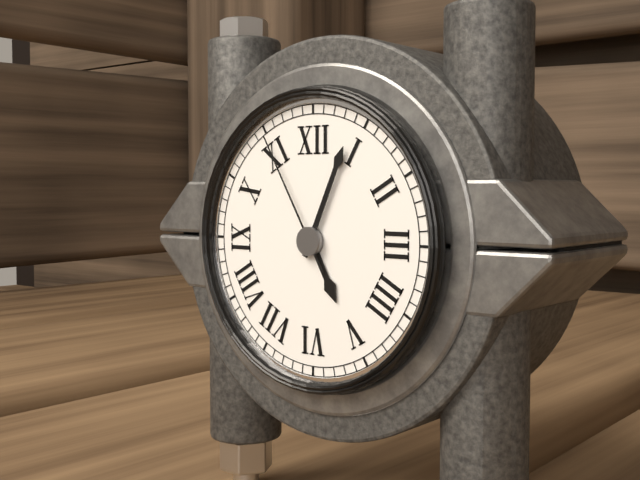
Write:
5,04,55
